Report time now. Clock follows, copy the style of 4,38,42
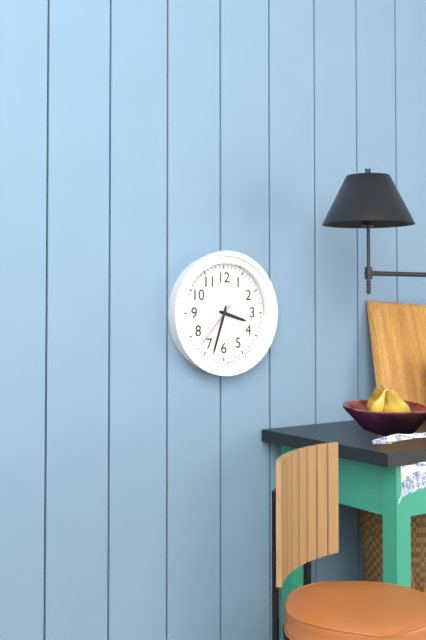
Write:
3,33,37
